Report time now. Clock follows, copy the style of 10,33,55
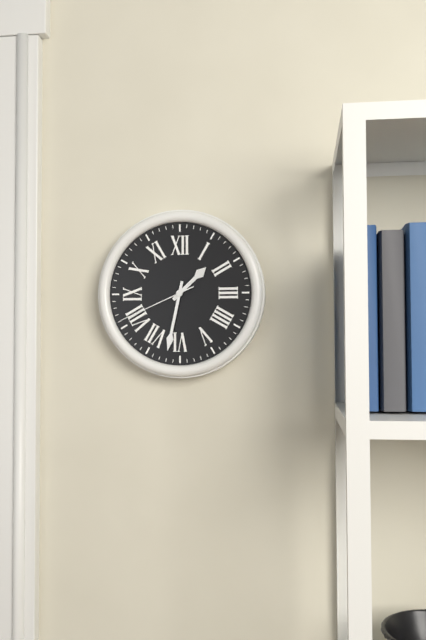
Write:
1,32,41
